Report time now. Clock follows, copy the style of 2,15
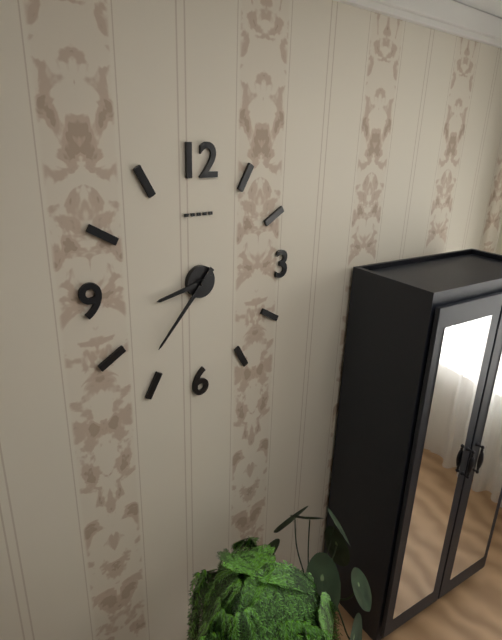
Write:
8,37
